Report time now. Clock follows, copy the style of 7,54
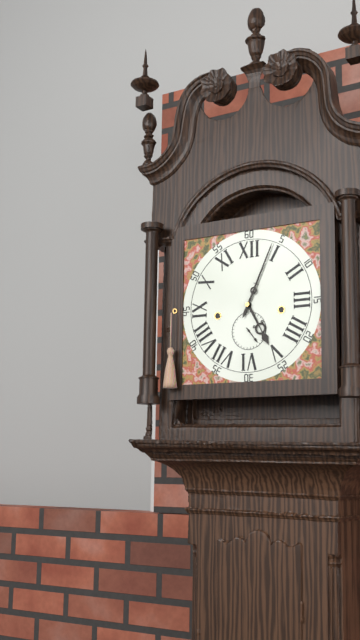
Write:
5,04
